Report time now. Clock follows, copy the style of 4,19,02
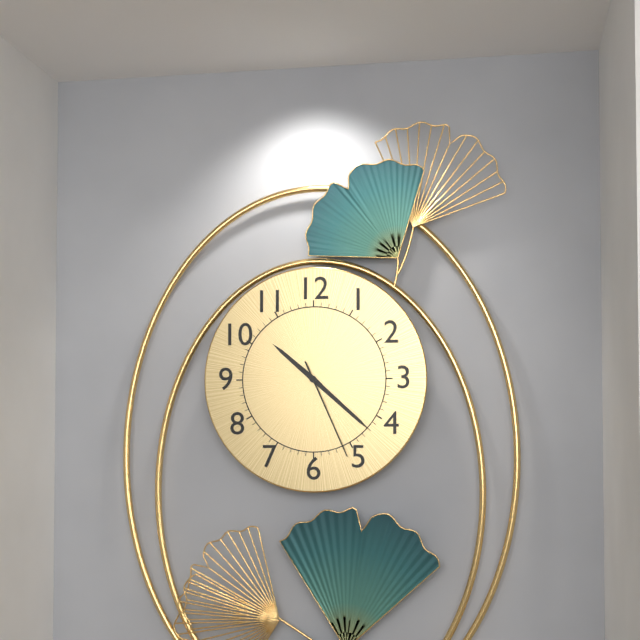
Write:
10,22,26
